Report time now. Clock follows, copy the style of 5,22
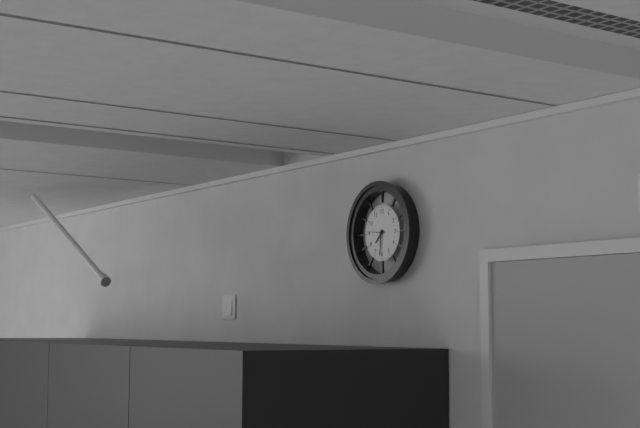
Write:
7,31
